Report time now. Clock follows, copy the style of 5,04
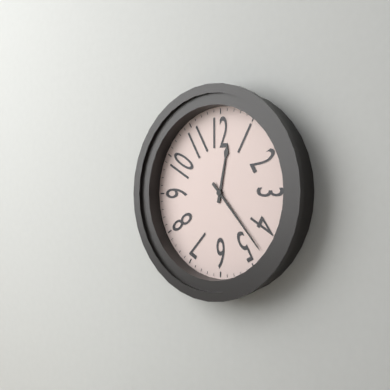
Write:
12,23
